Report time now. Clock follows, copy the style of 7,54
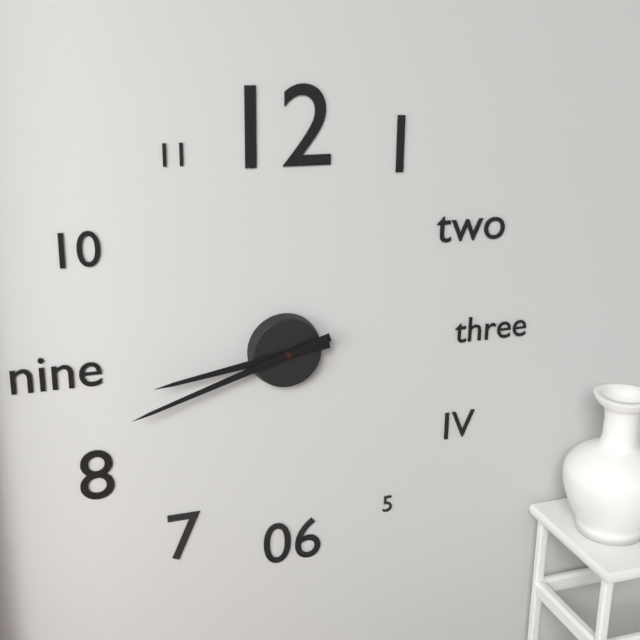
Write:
8,42
